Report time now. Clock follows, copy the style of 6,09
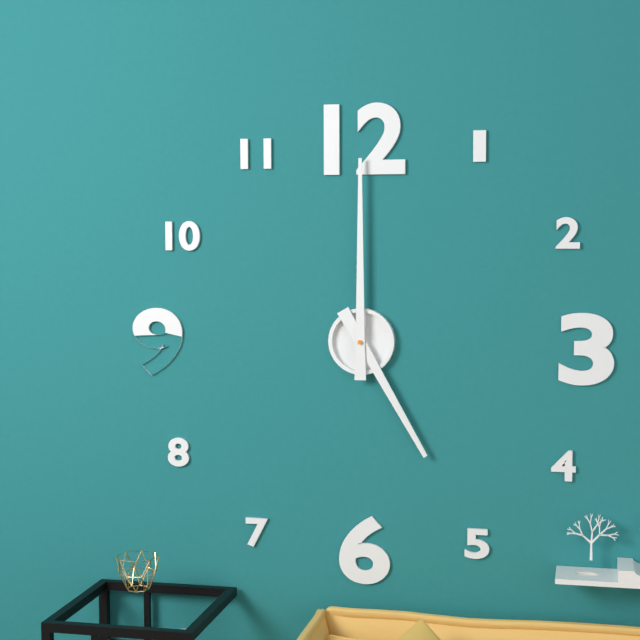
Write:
5,00
